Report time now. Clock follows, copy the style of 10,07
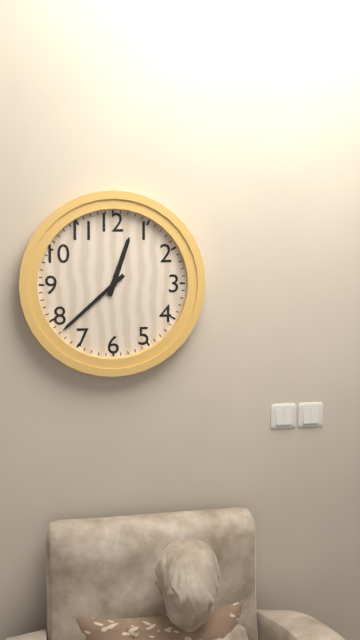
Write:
12,38
